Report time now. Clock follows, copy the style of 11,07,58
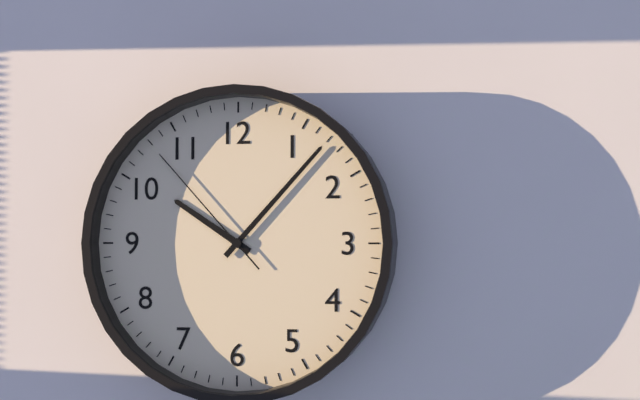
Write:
10,07,53
